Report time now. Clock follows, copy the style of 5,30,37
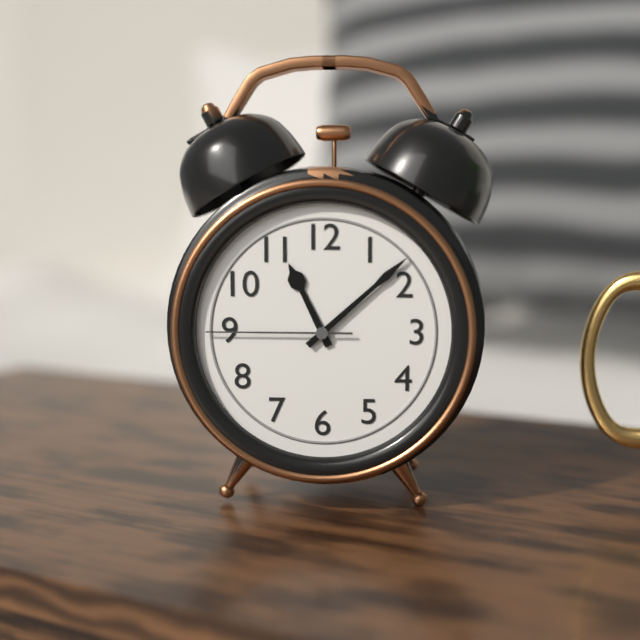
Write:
11,08,45
